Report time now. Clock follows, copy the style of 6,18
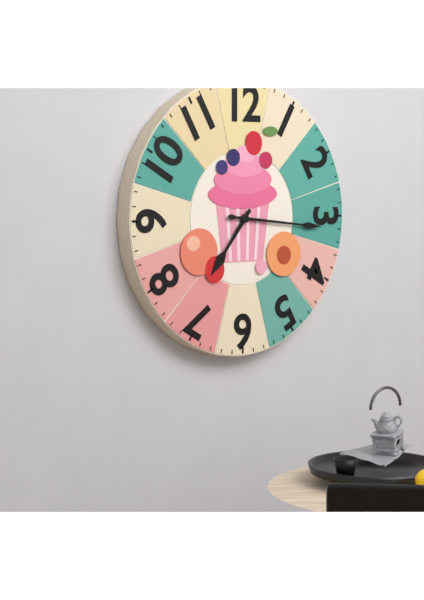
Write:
7,16
